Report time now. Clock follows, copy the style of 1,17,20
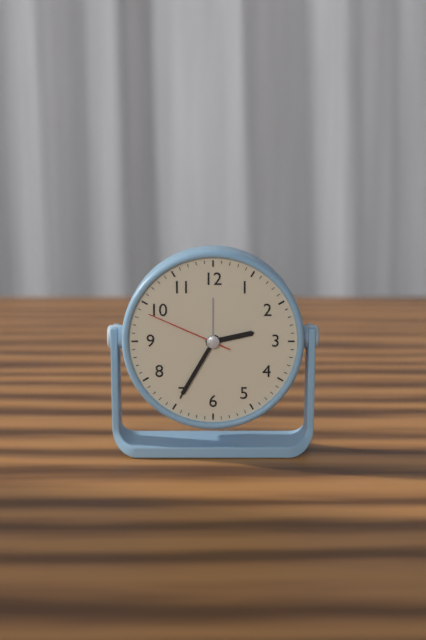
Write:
2,35,49
